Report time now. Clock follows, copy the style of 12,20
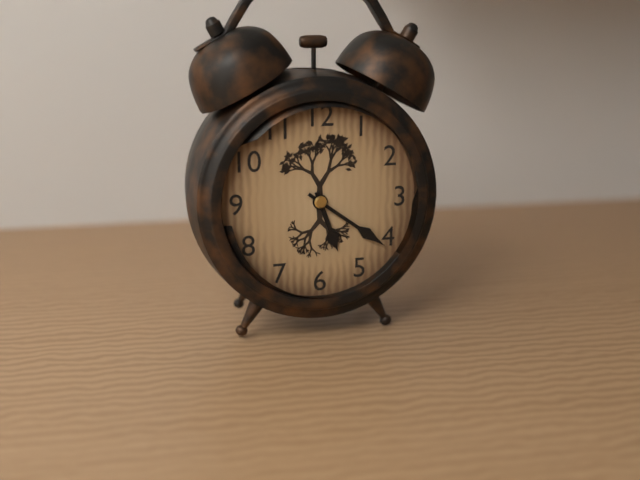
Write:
5,21
